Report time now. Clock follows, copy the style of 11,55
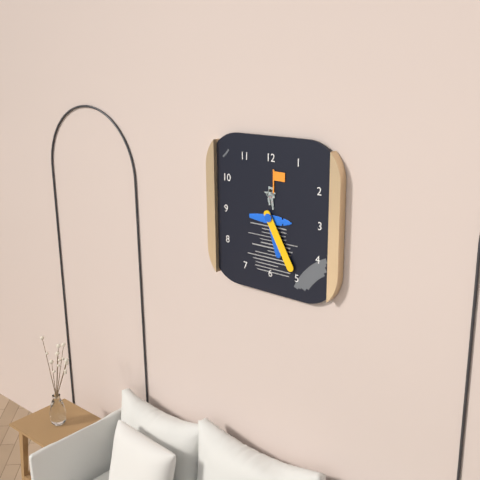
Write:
5,25
